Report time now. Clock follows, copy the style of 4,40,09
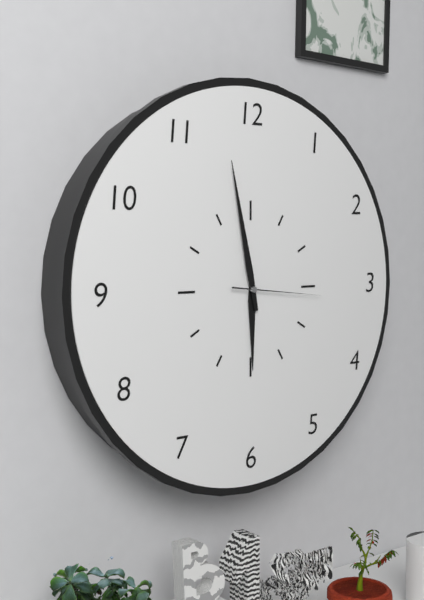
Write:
5,58,16
